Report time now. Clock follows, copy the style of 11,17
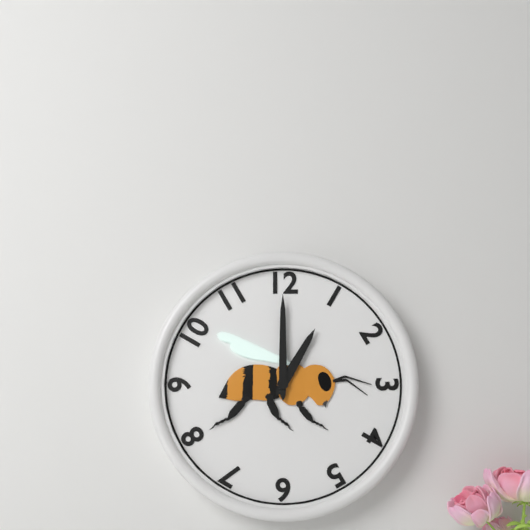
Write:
1,00
